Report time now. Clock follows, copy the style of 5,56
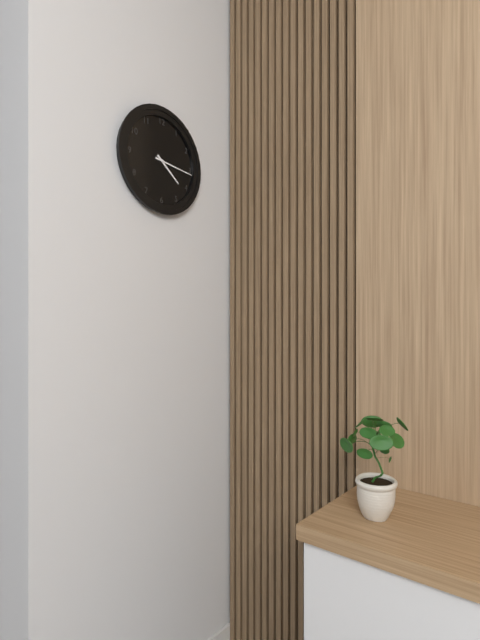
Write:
4,16
